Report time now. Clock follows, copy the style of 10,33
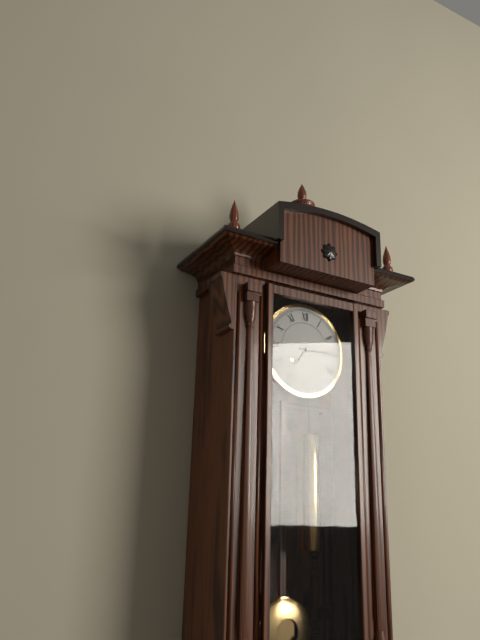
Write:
7,15
